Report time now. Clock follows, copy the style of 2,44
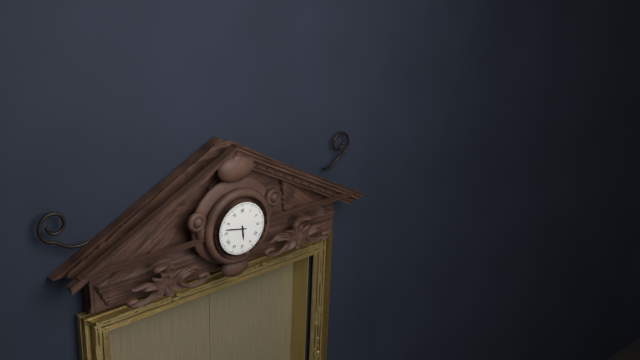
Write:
5,47
